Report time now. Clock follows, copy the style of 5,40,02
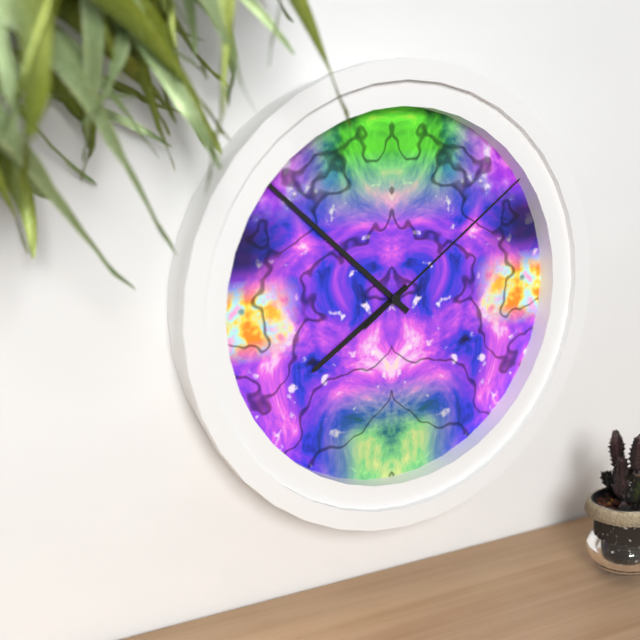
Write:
7,52,09
